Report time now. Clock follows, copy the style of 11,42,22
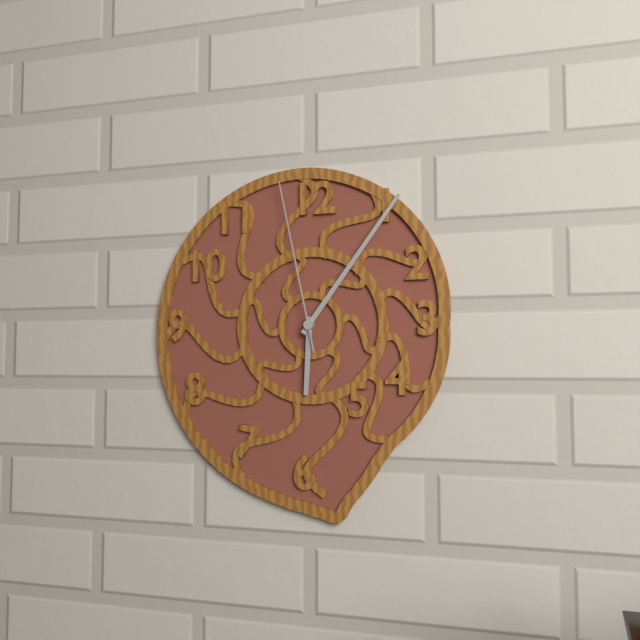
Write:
6,06,58
